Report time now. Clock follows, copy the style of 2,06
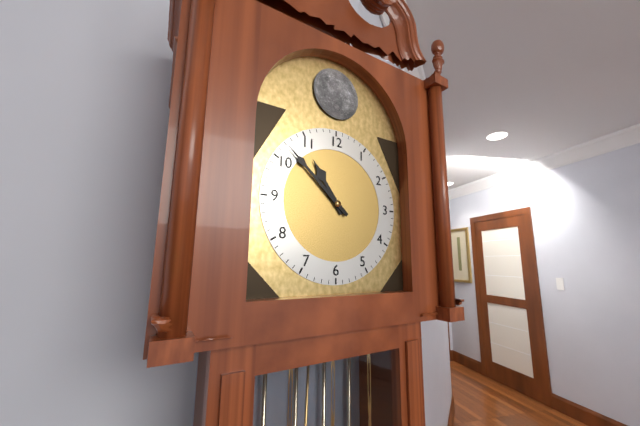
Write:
10,52
